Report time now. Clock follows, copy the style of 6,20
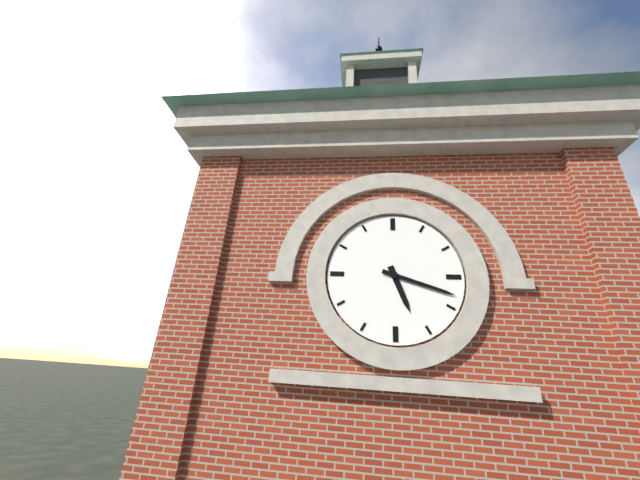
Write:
5,18
